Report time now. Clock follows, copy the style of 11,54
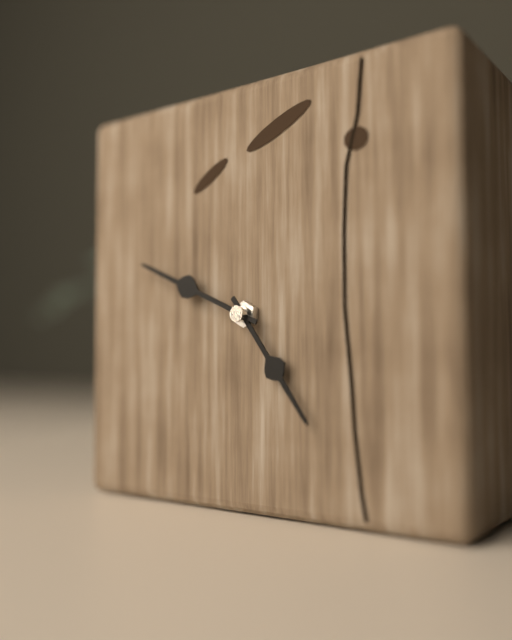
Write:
4,49
